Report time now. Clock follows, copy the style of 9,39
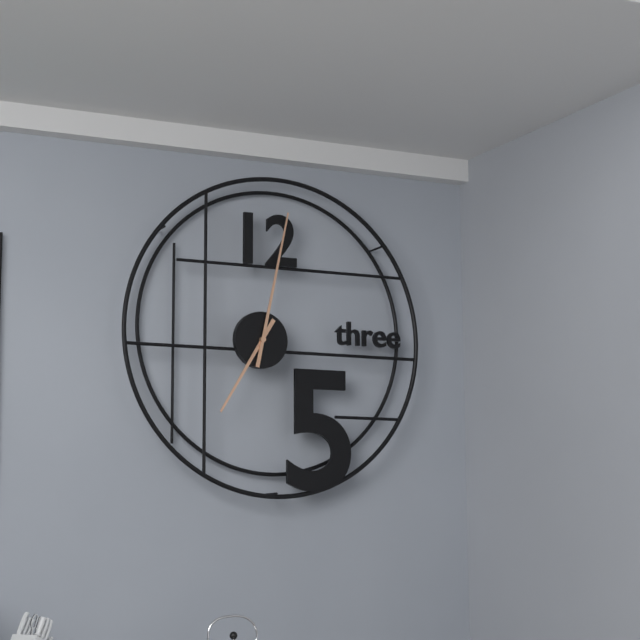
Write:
7,02
